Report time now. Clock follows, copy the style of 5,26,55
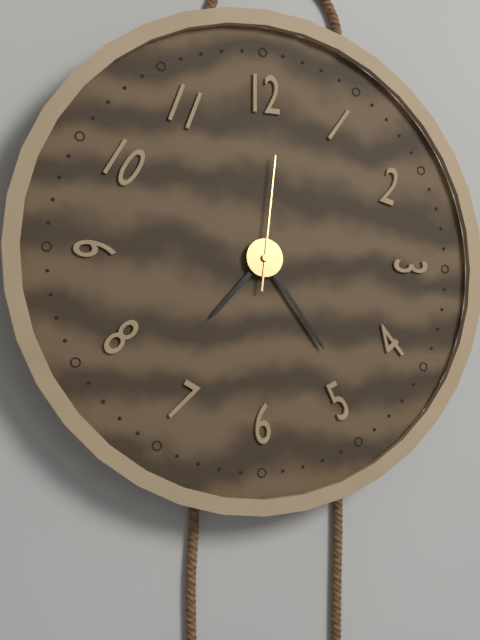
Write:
7,24,01
